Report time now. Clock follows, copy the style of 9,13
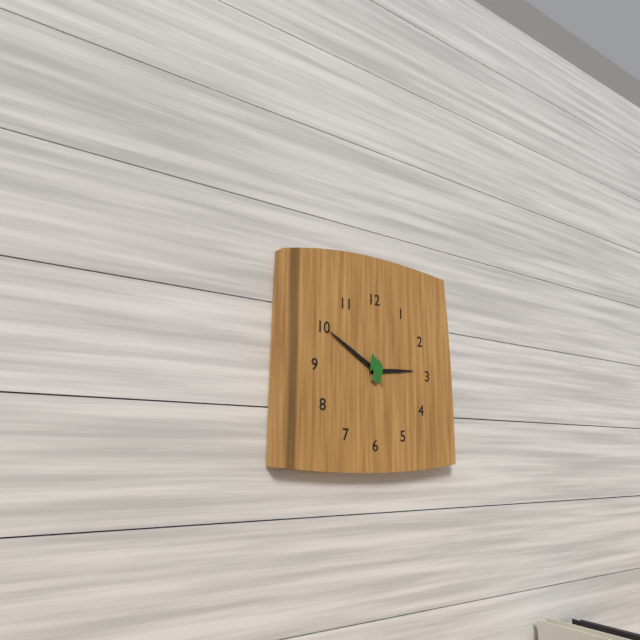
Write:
2,50
